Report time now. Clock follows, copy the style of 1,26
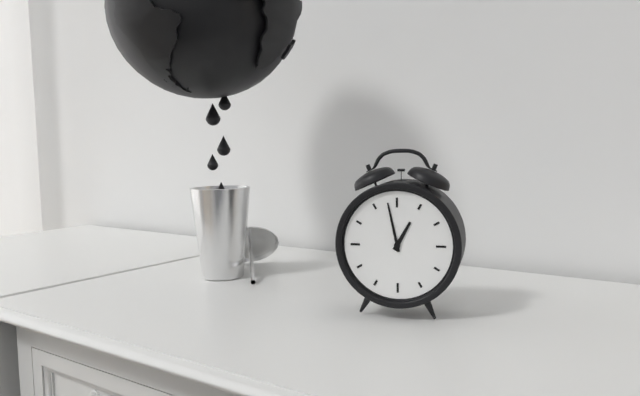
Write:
12,58
